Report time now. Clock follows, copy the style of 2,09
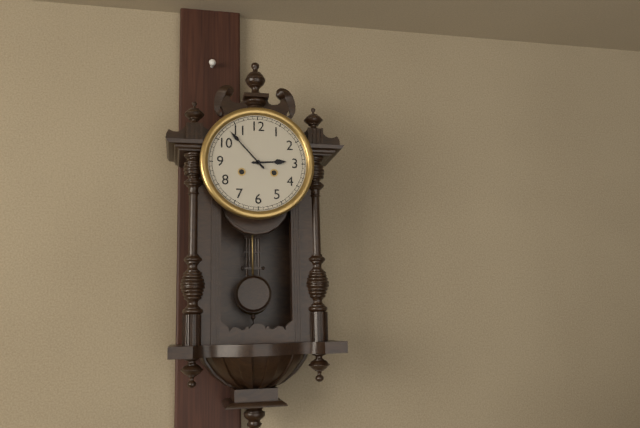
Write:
2,53
